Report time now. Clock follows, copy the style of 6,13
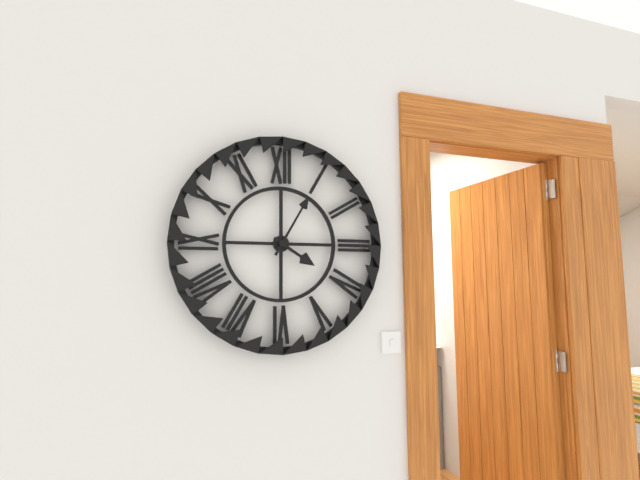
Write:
4,05
